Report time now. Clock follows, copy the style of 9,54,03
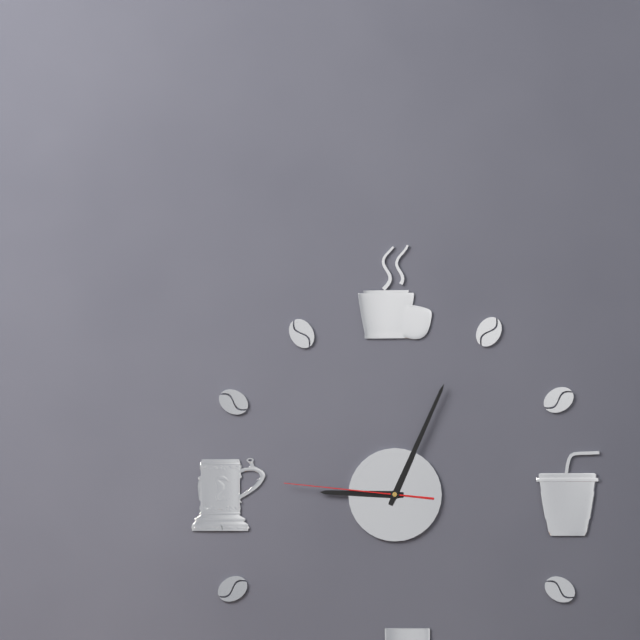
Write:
9,04,46
